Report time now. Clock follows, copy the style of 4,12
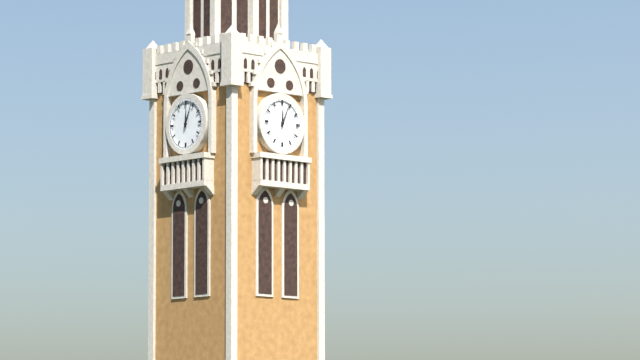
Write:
12,04
